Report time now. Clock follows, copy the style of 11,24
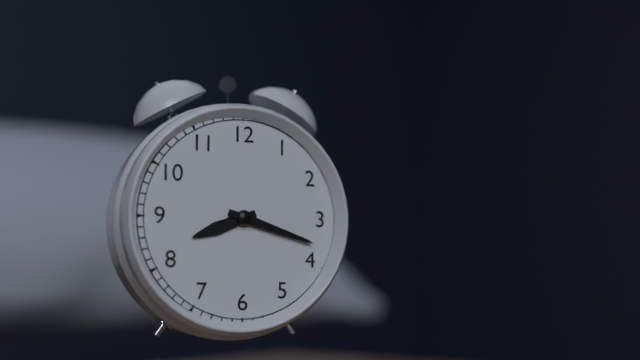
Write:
8,18
